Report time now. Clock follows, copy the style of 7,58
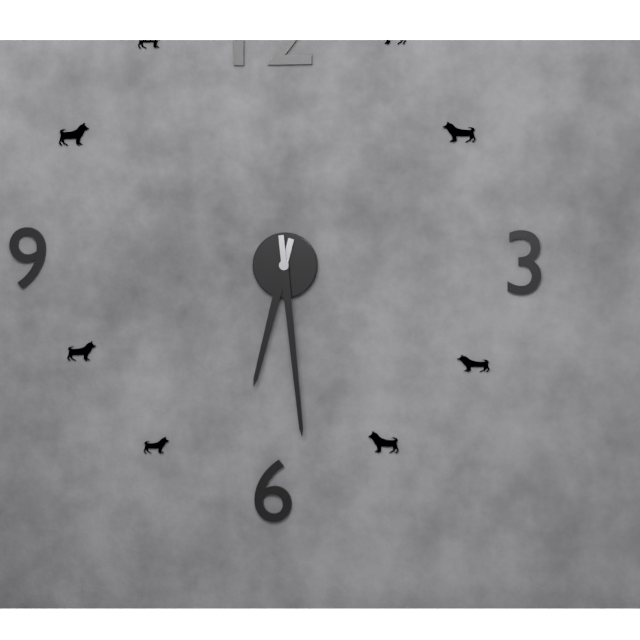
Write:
6,29
